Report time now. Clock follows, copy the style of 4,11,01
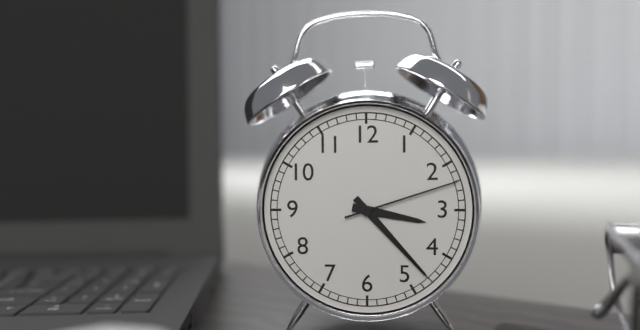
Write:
3,23,12
